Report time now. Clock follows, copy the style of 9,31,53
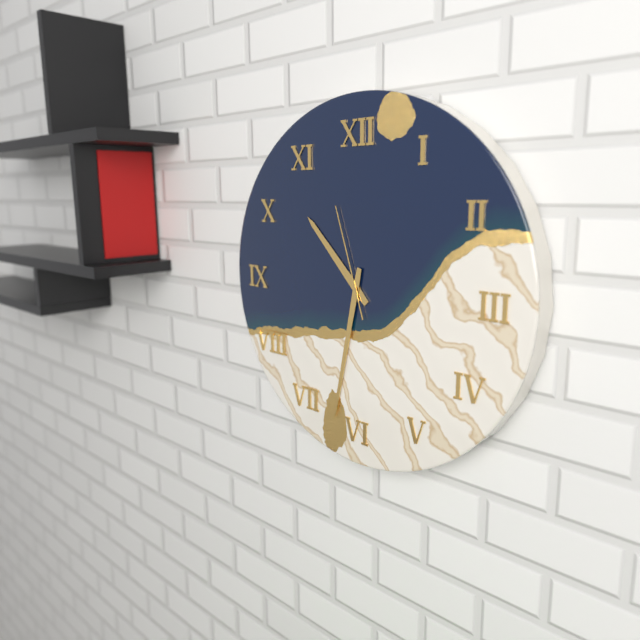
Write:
10,32,57
